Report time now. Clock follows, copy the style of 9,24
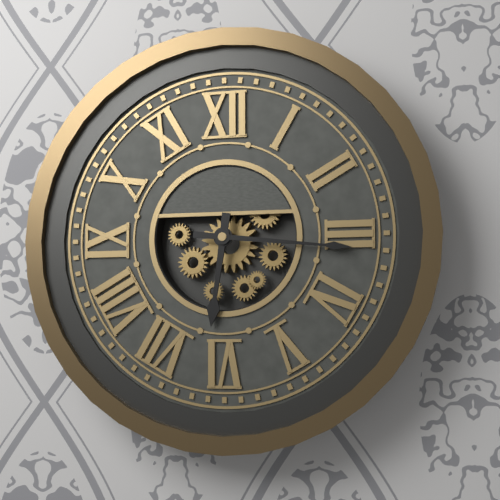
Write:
6,16
